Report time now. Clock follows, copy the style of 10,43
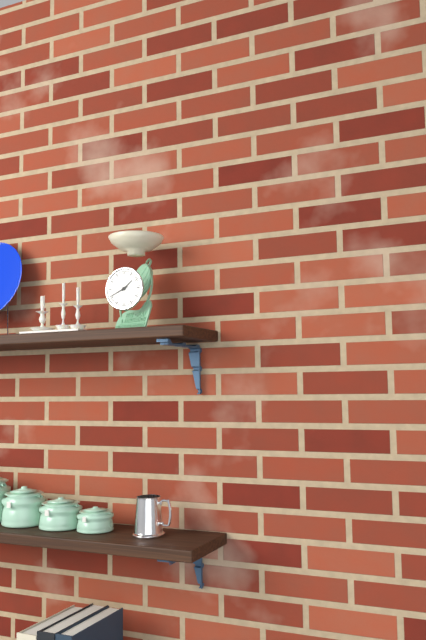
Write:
1,41
